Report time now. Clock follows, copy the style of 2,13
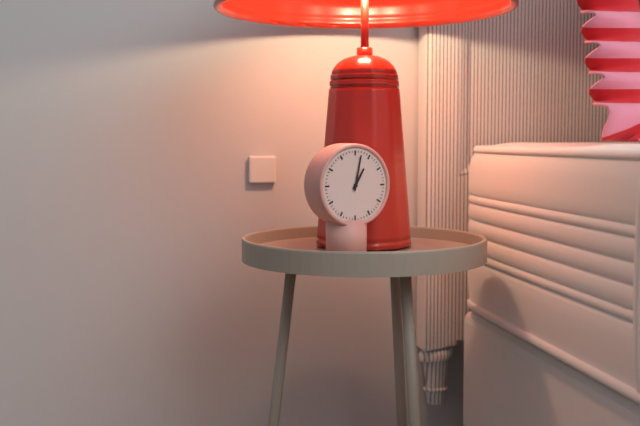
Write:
1,02
